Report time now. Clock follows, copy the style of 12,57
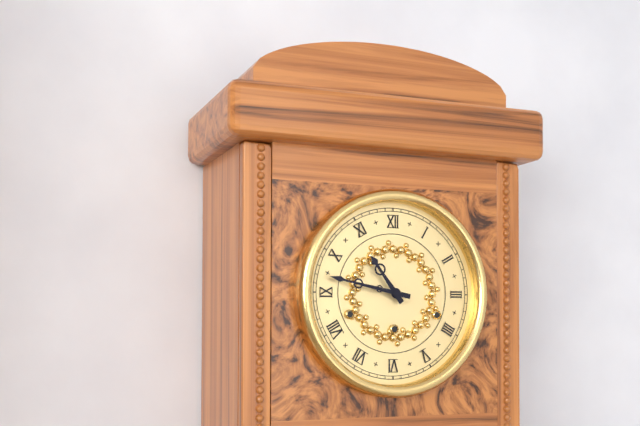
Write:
10,47
